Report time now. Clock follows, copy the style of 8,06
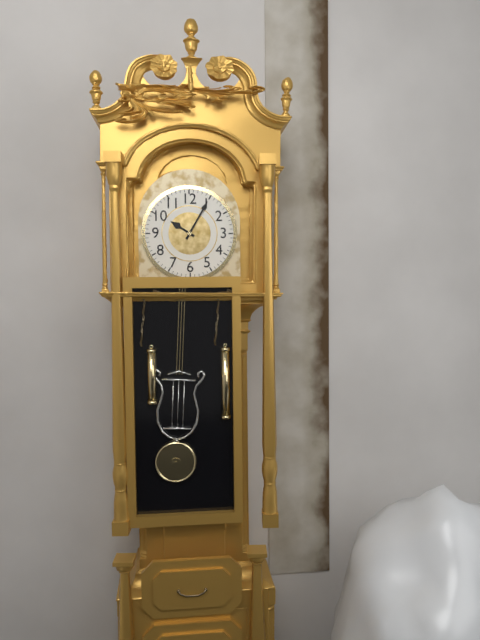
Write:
10,05
